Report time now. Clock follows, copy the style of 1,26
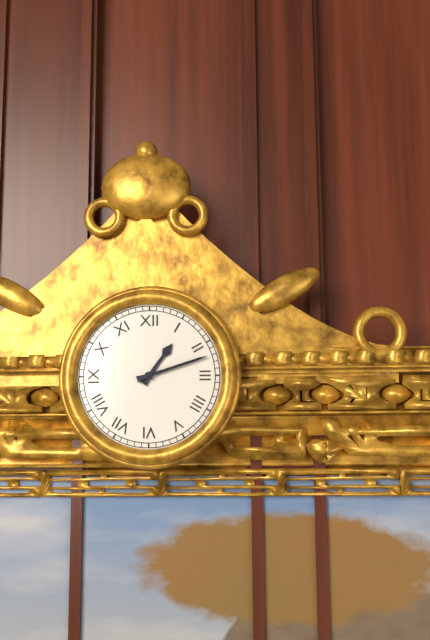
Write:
1,12
